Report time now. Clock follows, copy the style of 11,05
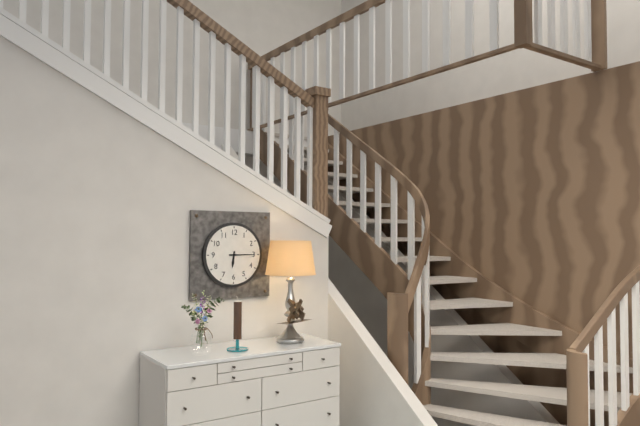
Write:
6,15
